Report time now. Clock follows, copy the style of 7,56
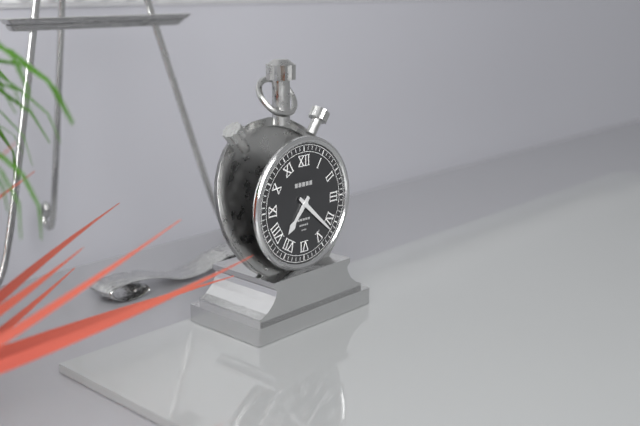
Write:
7,22
